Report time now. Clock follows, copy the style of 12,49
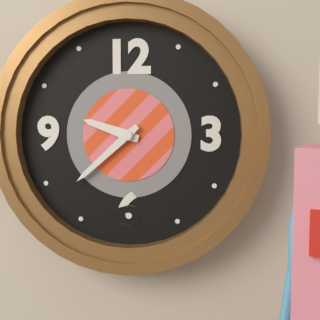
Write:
9,38
